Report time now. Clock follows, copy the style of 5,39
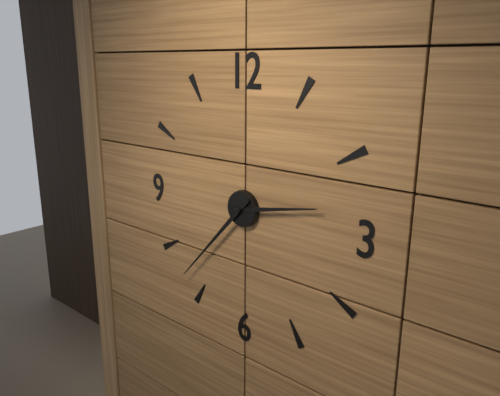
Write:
2,37
